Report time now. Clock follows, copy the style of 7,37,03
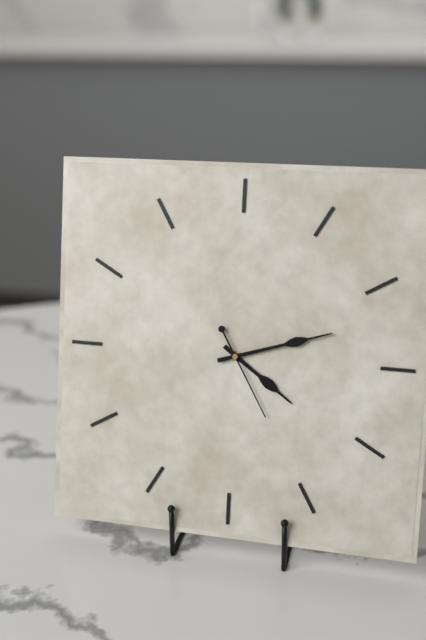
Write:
4,12,25
